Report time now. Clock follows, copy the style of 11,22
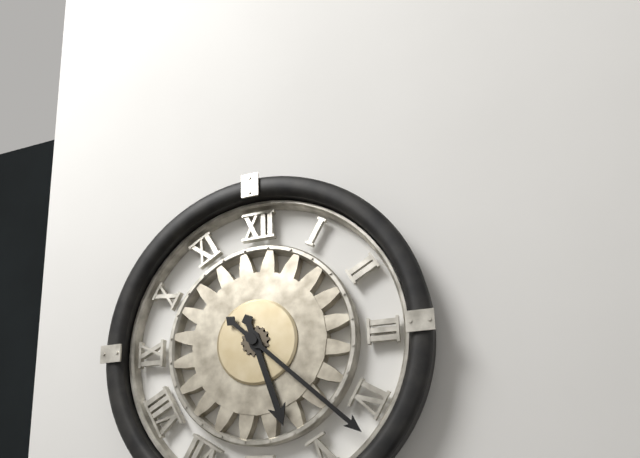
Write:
5,22
